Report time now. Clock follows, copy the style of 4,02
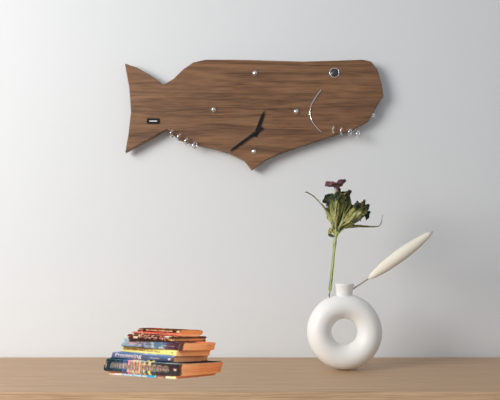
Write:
12,39
